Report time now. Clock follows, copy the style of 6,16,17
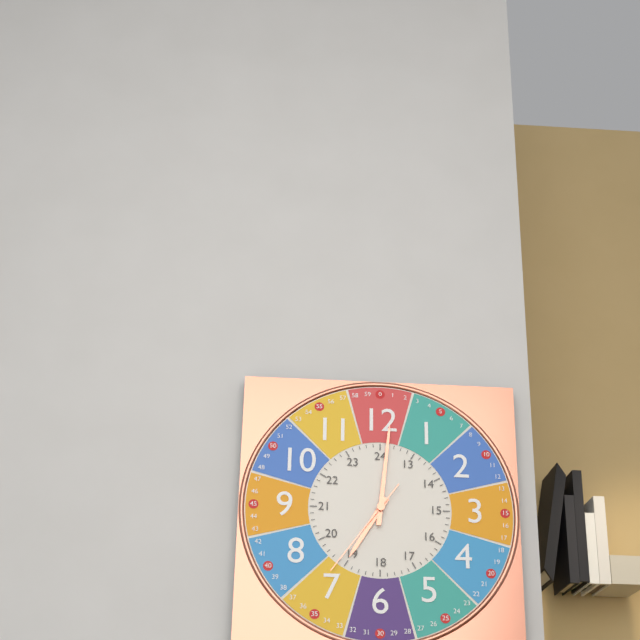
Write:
7,01,36
